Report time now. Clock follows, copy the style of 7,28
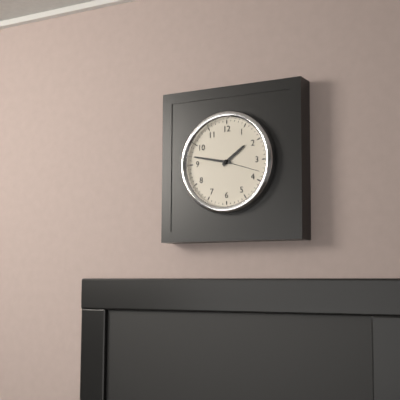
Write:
1,47
